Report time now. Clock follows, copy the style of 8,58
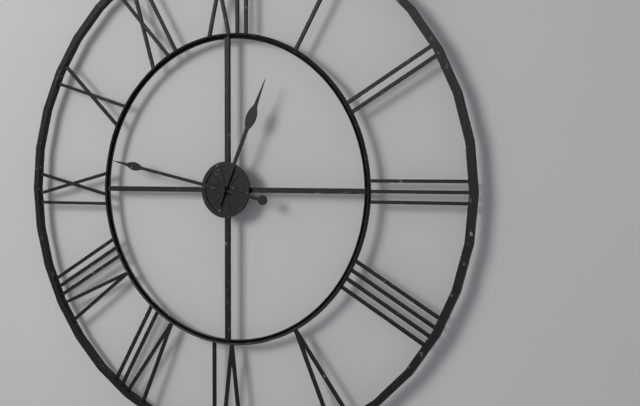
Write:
12,47
